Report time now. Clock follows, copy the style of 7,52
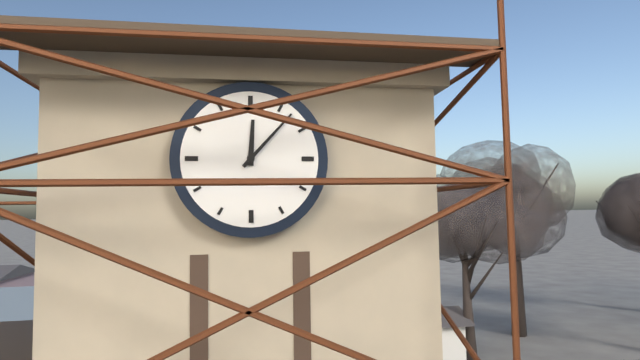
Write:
12,07
